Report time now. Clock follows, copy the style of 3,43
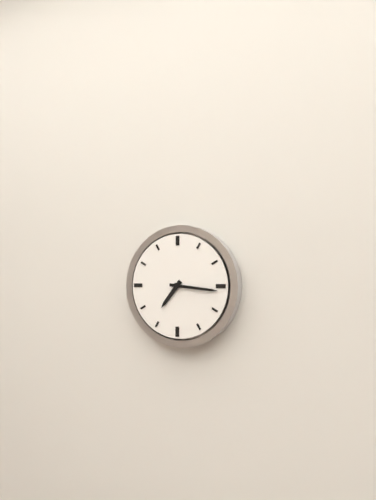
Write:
7,16
